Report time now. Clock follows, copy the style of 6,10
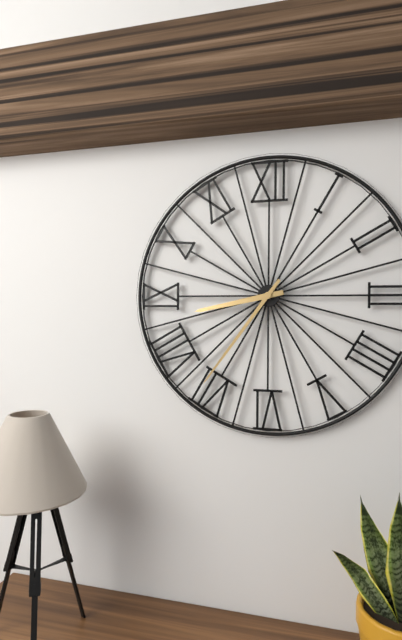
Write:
8,36
